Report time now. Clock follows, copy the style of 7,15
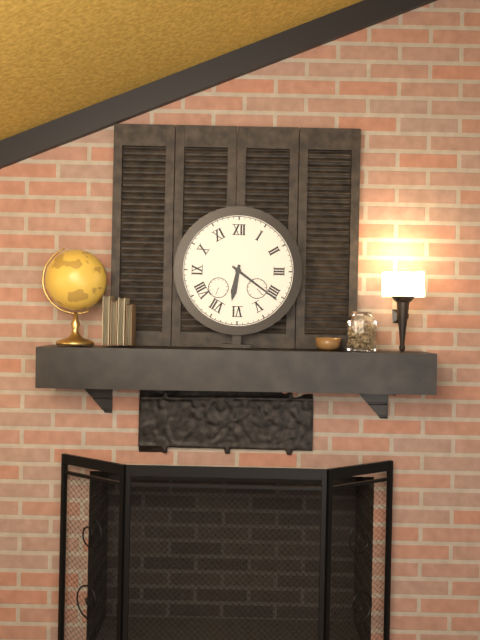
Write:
6,21
